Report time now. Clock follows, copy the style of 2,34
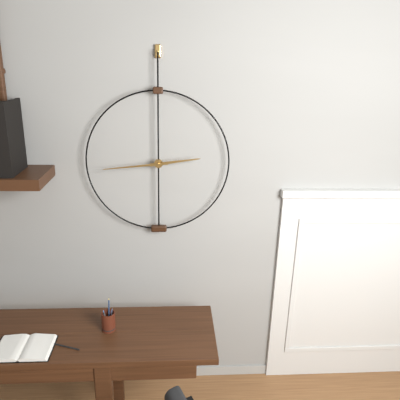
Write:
2,44
